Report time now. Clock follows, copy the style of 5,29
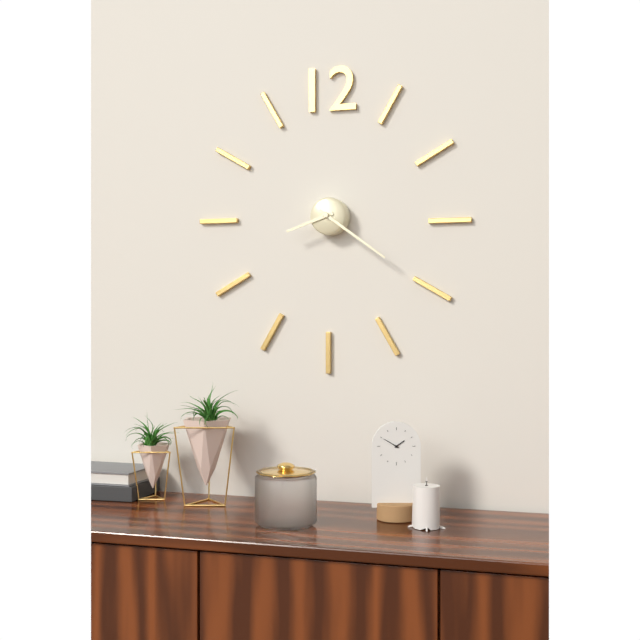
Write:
8,21
